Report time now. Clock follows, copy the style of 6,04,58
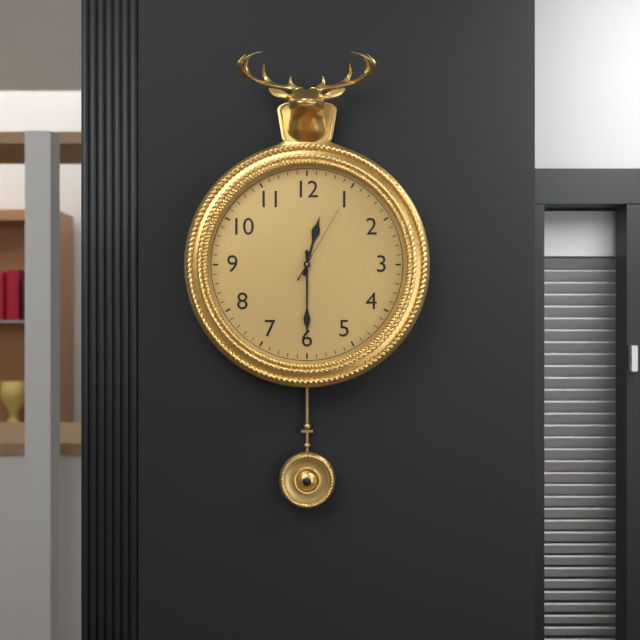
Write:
12,30,05
